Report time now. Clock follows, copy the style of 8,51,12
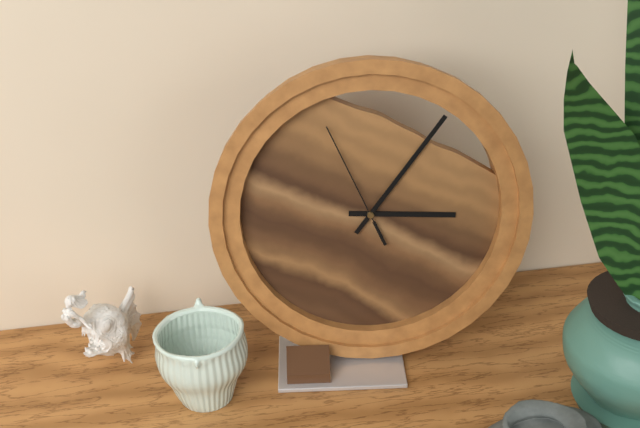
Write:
3,06,56
